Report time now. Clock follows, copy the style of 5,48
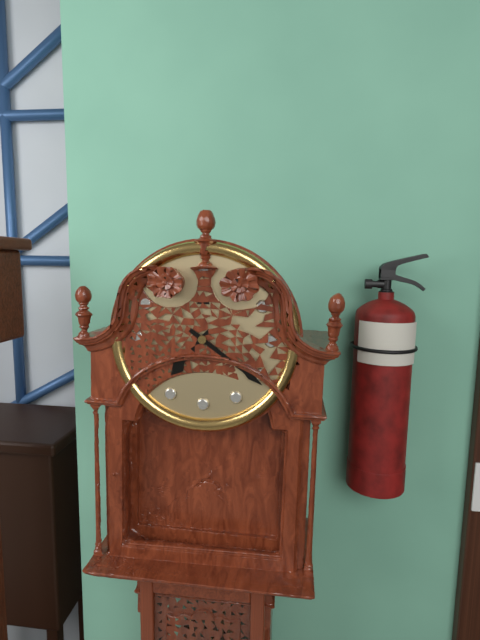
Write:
7,21
